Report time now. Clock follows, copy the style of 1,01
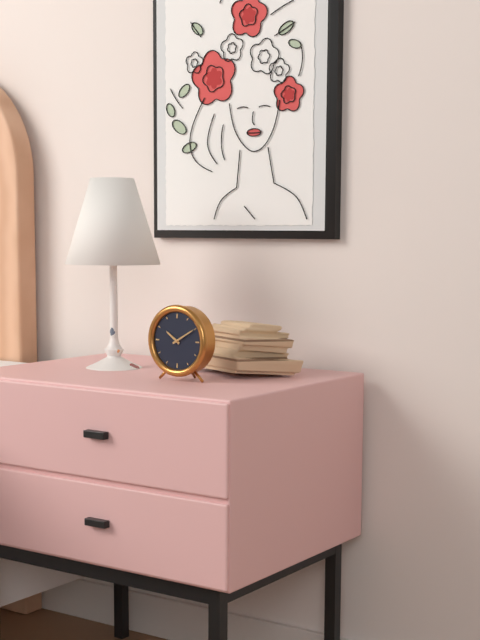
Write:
10,10
